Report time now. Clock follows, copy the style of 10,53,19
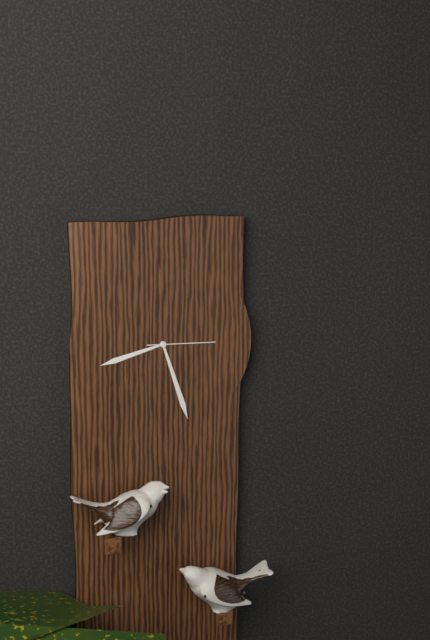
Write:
8,27,15
